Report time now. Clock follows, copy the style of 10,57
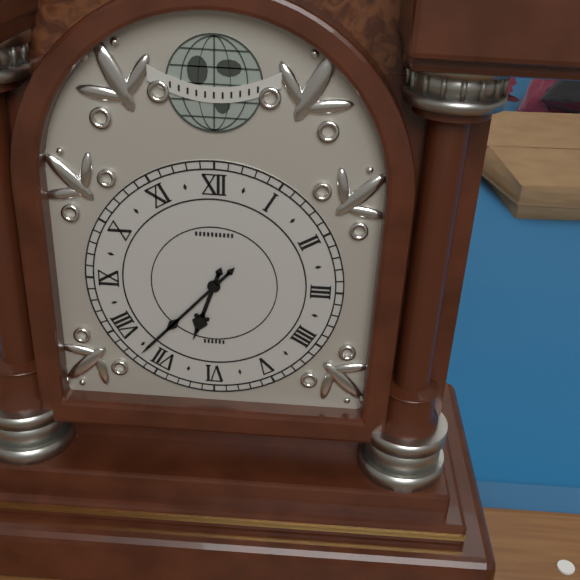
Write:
6,37
